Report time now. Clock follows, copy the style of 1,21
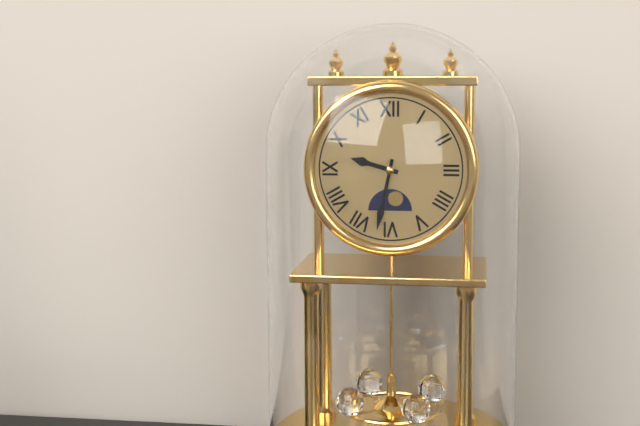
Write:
9,32
